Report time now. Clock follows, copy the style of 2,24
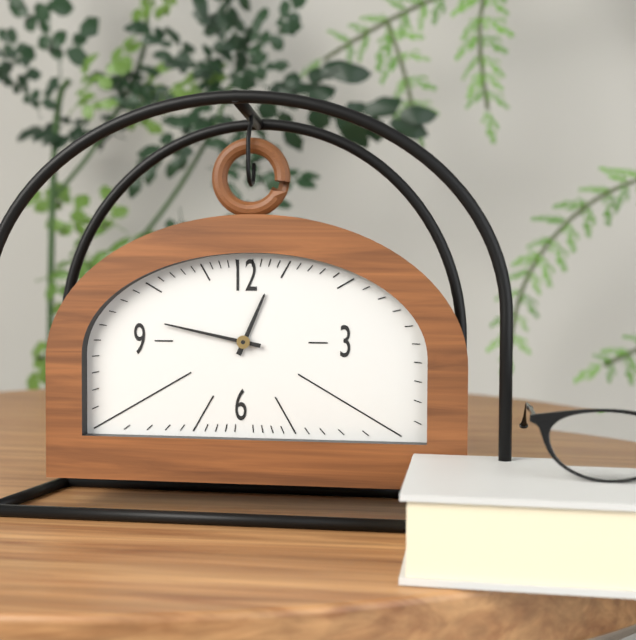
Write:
12,47
